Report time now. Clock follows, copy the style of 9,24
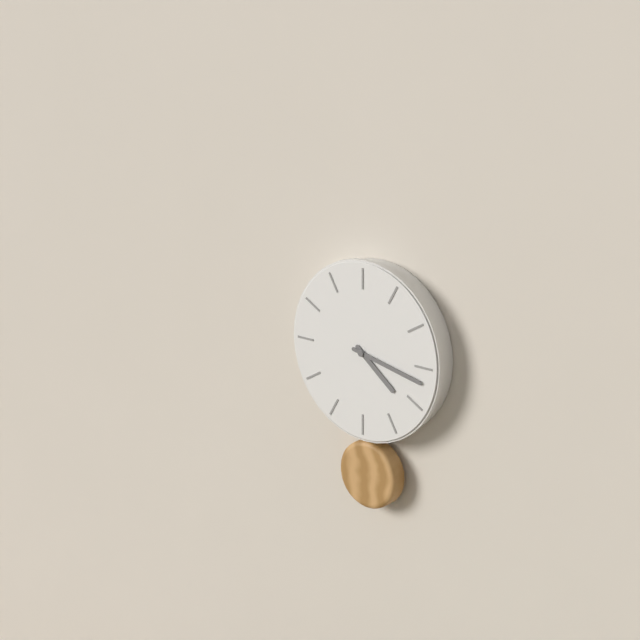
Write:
4,17
